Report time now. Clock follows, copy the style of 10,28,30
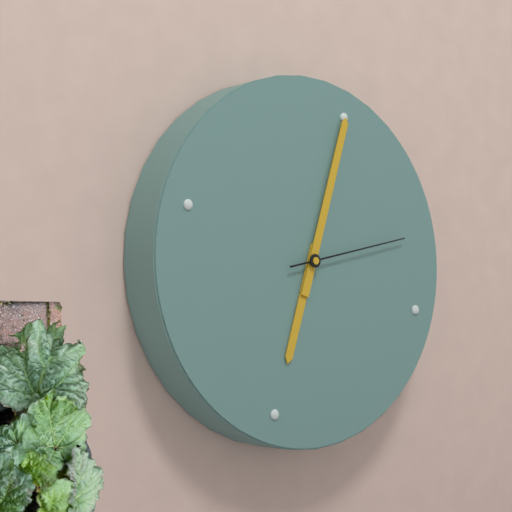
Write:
6,00,10
